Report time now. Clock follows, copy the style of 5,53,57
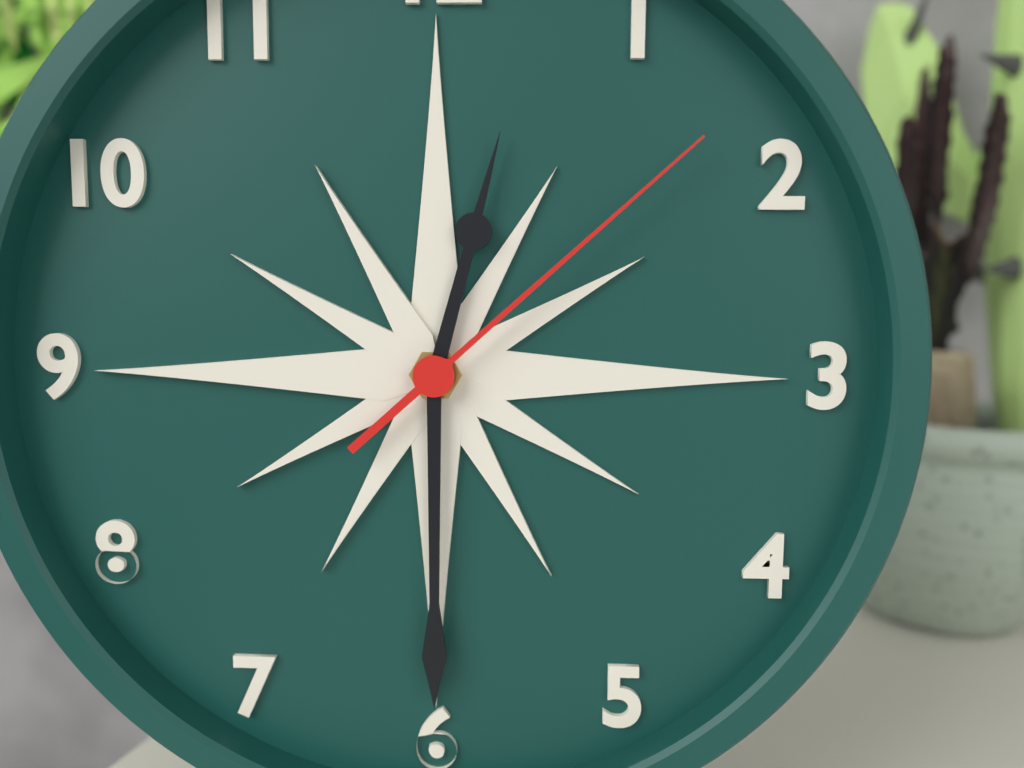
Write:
12,30,08
